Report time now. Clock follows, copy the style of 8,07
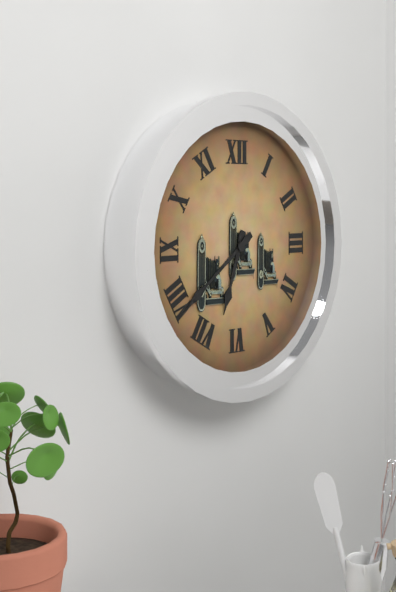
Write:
6,39
